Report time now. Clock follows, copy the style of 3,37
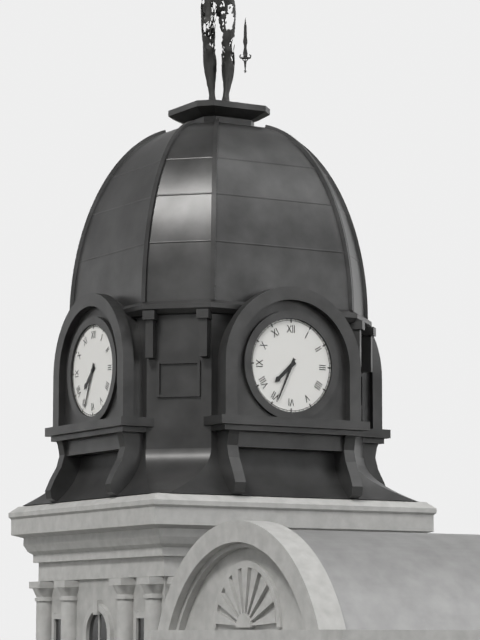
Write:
7,34
